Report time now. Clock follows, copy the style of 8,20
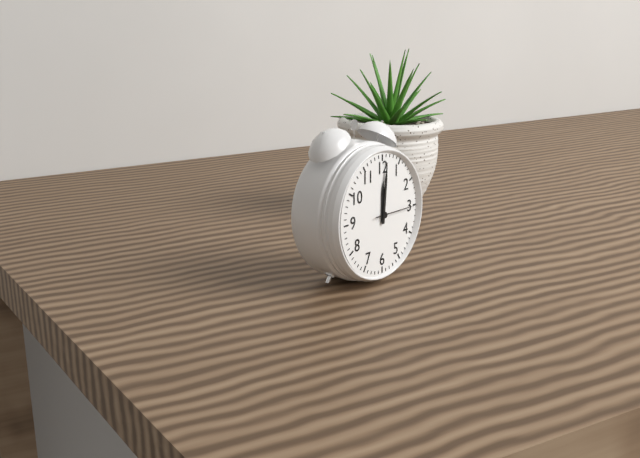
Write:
12,01
